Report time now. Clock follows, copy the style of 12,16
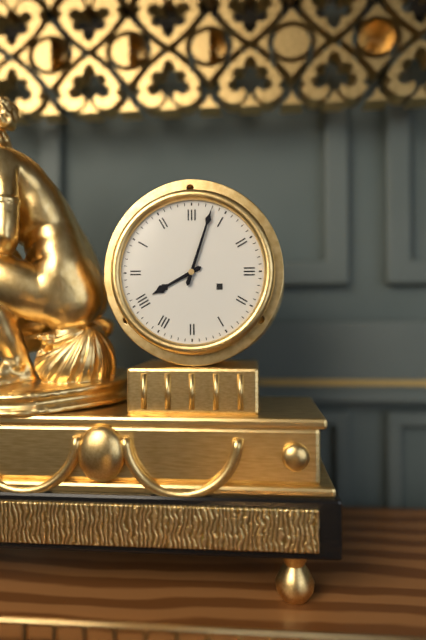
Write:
8,03
